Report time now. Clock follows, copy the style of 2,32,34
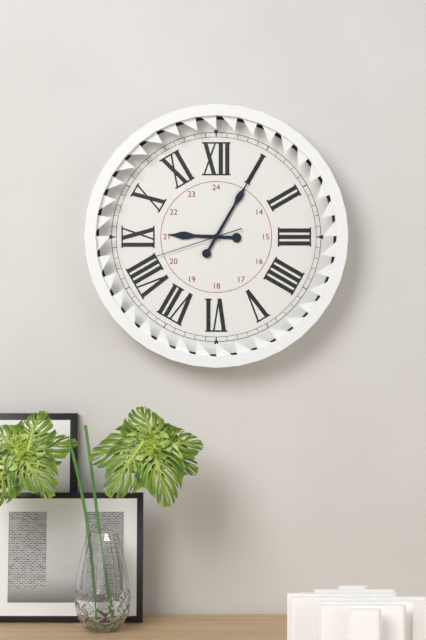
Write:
9,05,42
